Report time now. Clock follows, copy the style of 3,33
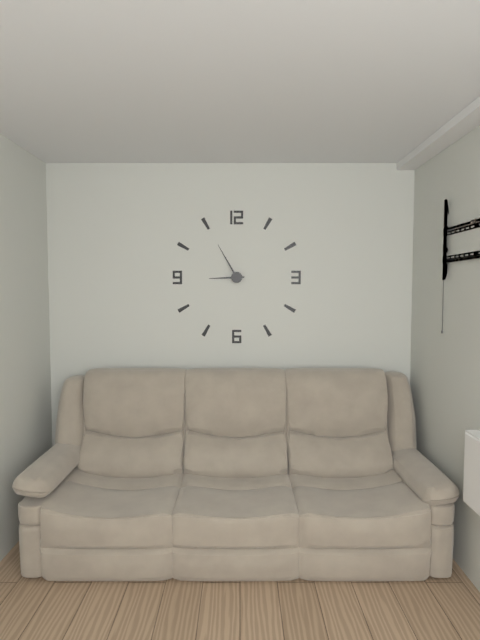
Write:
8,55
